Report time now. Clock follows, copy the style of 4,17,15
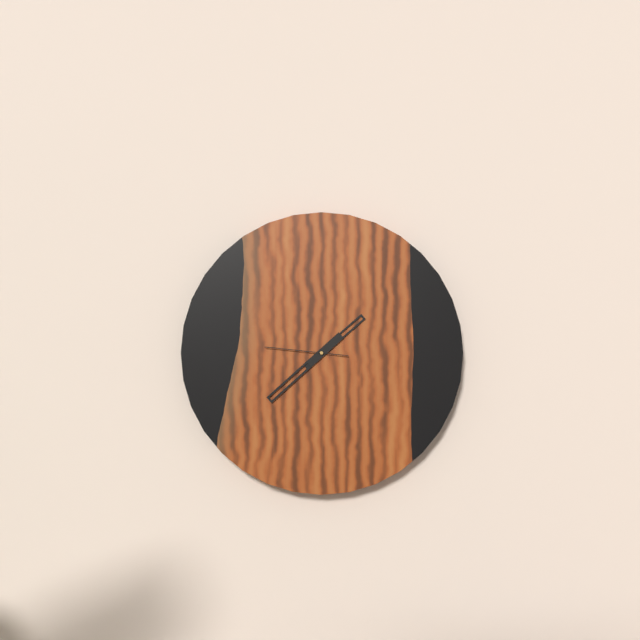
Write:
1,38,46
